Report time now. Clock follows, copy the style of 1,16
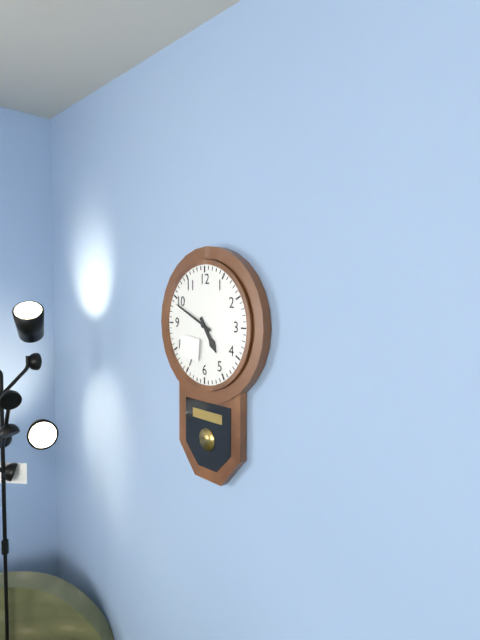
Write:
4,49
